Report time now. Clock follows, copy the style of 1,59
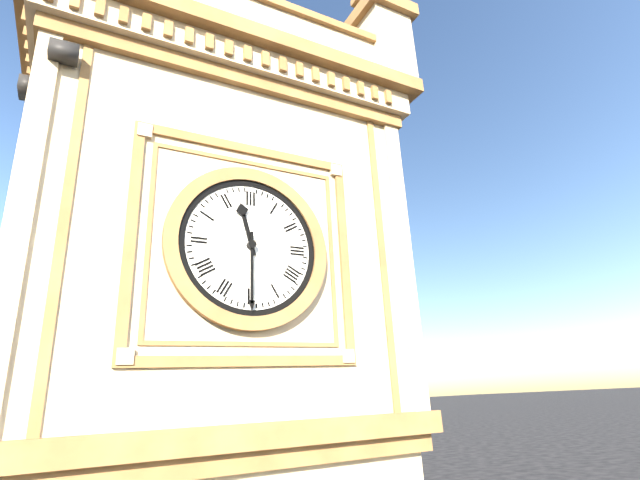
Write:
11,30
